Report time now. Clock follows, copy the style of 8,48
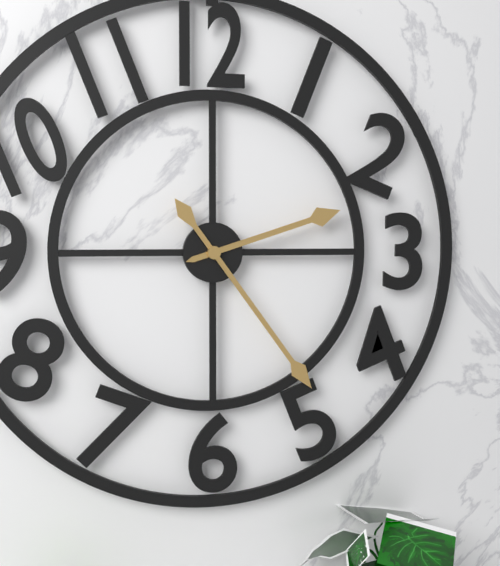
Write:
2,24
